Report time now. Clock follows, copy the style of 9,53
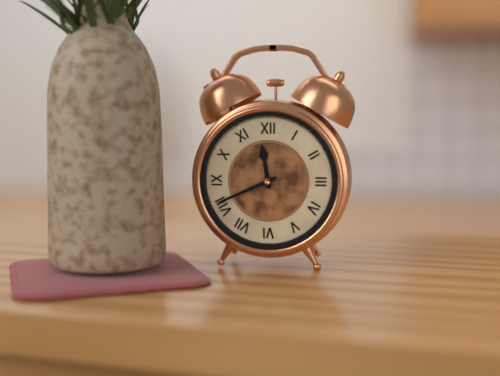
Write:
11,41
